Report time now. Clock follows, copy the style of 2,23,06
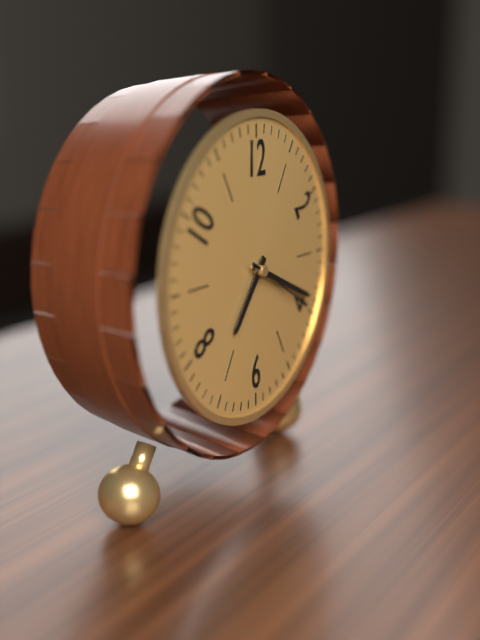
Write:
7,19,20
